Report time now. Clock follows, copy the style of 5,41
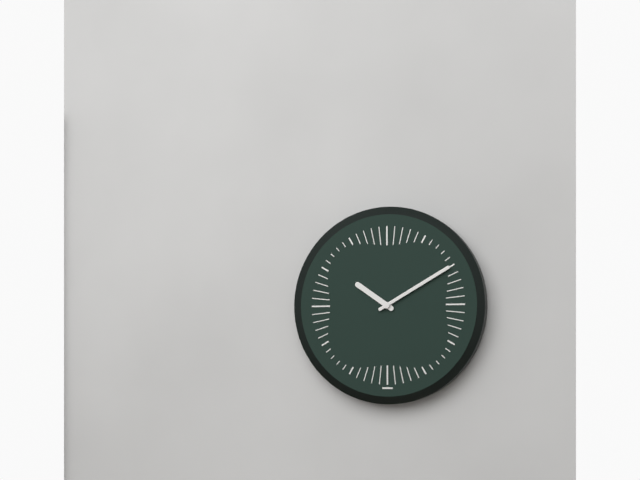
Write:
10,10
